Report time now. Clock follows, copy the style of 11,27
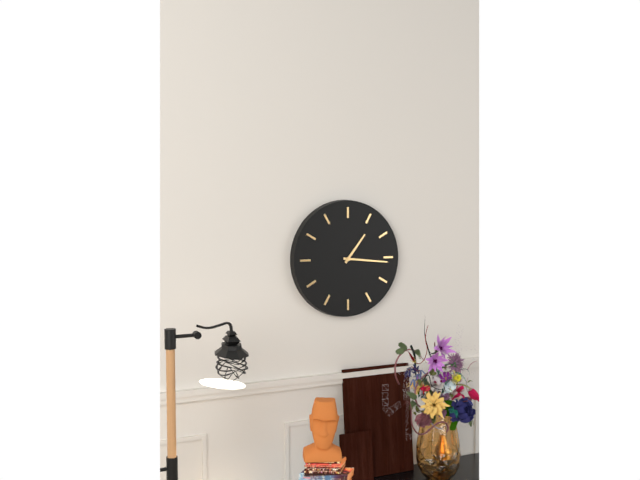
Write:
1,16
